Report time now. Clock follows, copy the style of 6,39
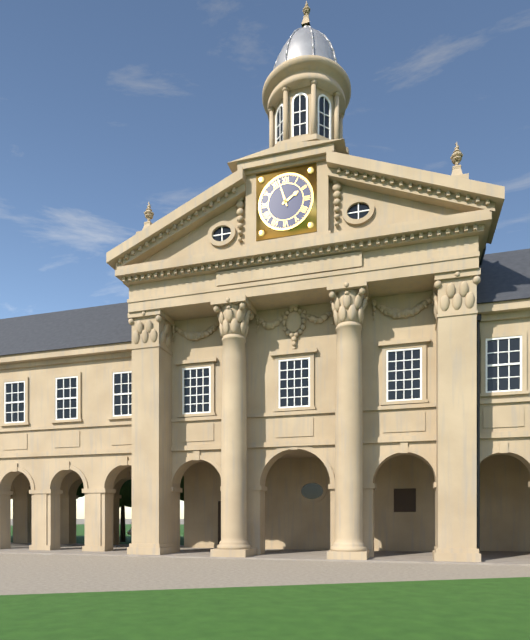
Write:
1,57
